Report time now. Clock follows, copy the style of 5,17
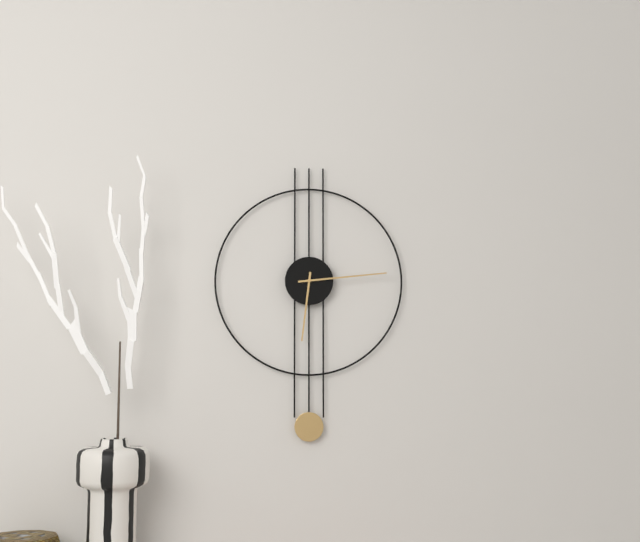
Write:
6,14
